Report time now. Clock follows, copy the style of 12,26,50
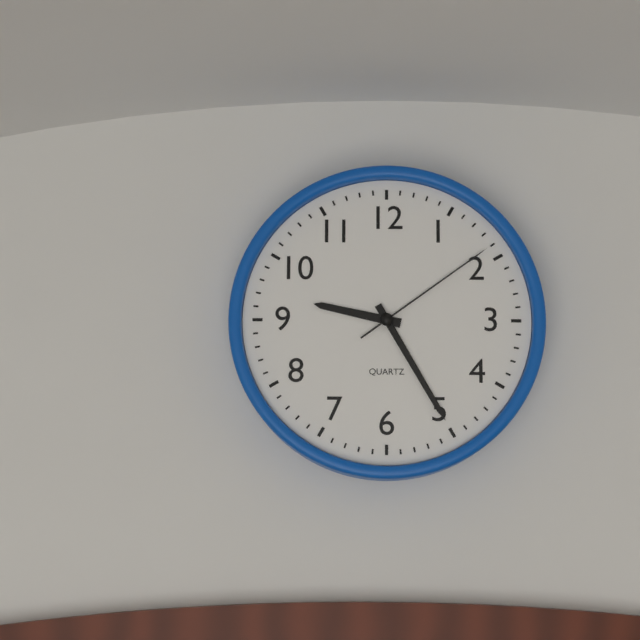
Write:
9,25,09
